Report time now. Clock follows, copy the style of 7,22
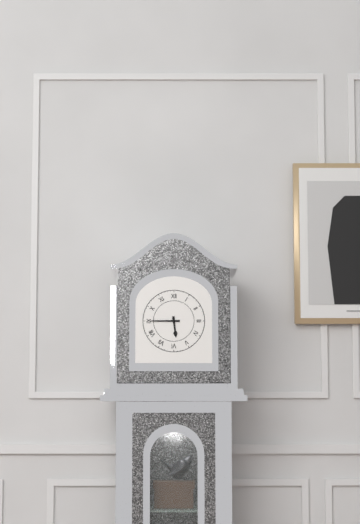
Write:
5,45
